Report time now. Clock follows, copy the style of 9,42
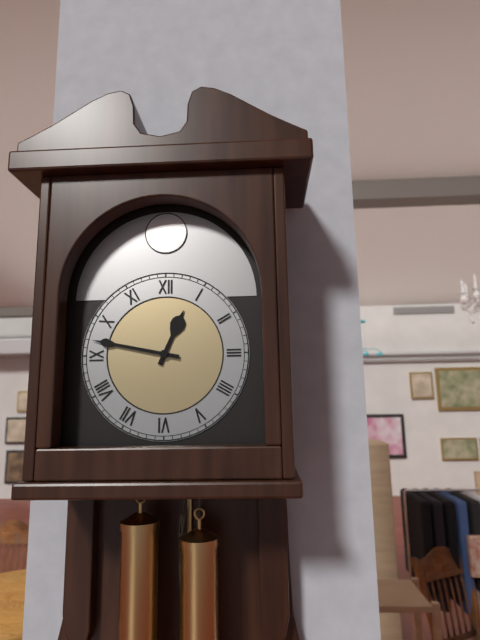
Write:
12,47
